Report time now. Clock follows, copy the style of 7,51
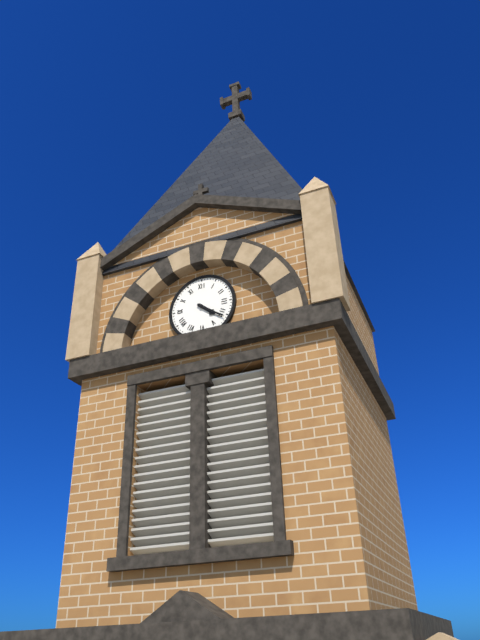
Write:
4,21
